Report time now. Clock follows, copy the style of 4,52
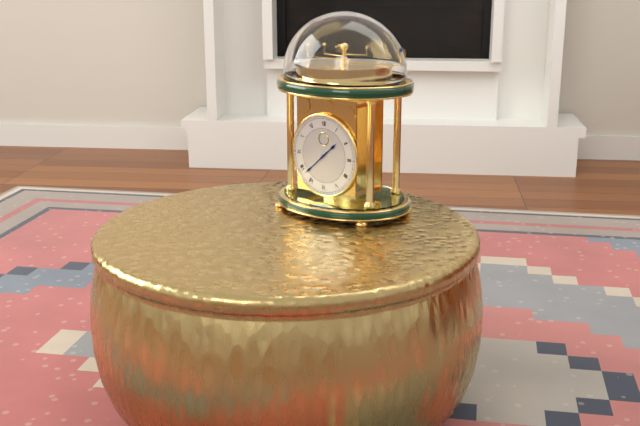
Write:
1,38
